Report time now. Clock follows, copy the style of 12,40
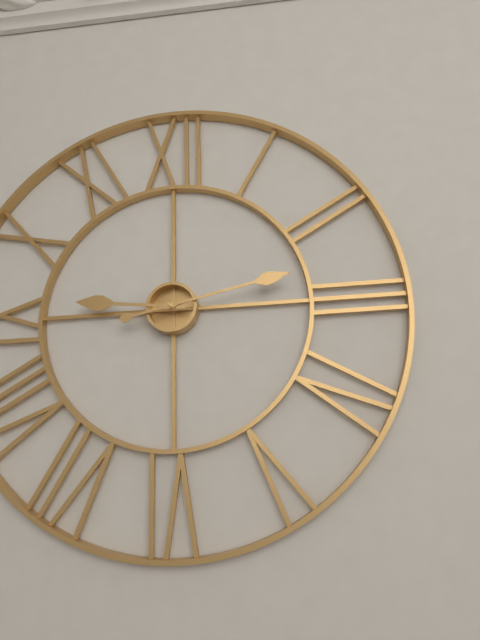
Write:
9,13
